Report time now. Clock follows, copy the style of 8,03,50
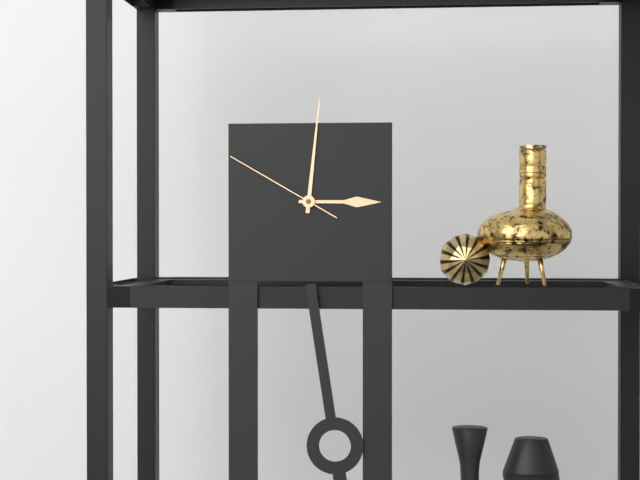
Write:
3,01,50
